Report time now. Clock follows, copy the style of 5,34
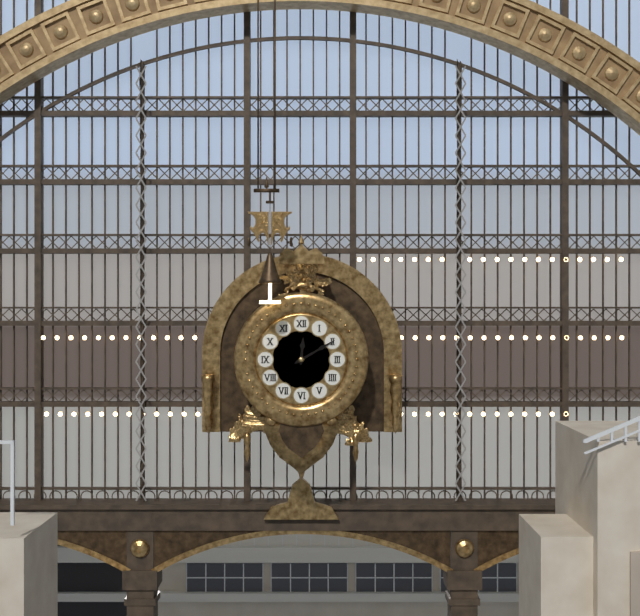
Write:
12,10
